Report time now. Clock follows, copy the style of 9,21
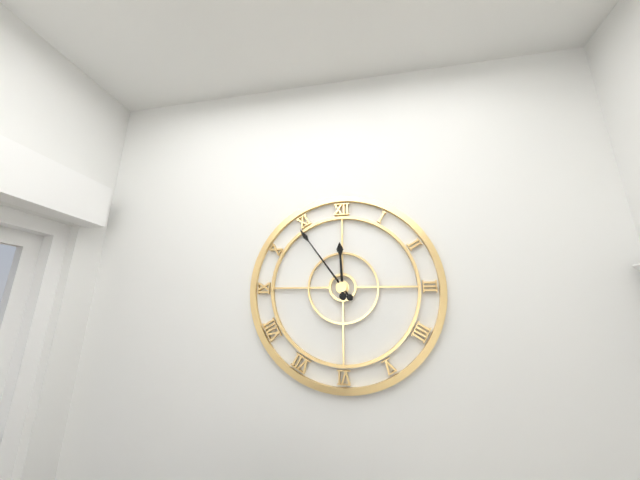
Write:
11,54
